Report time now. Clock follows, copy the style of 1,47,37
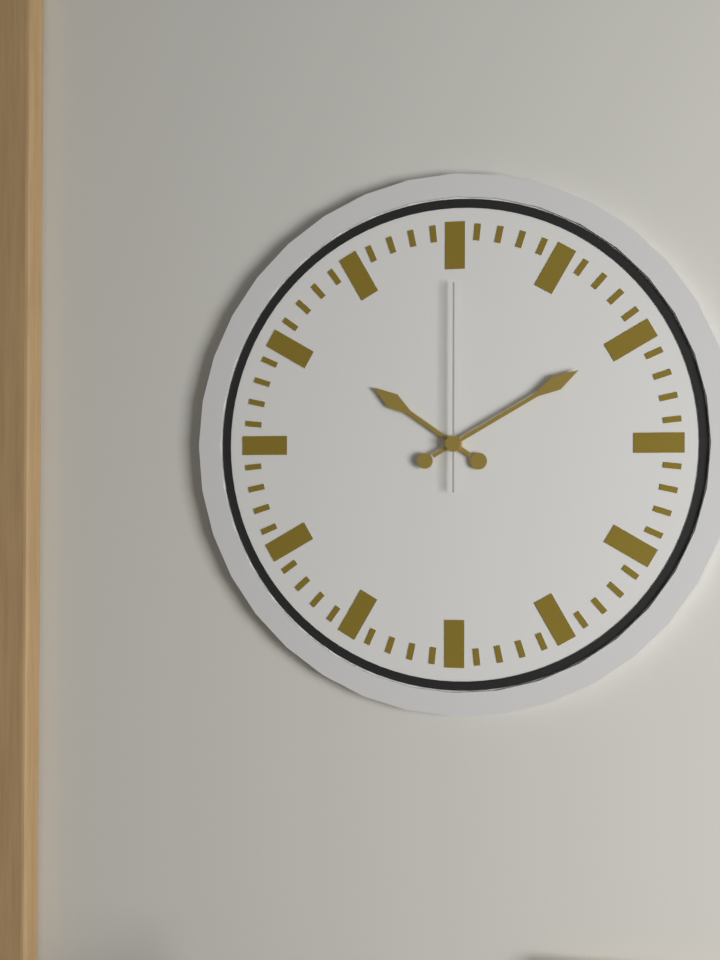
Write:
10,10,00
